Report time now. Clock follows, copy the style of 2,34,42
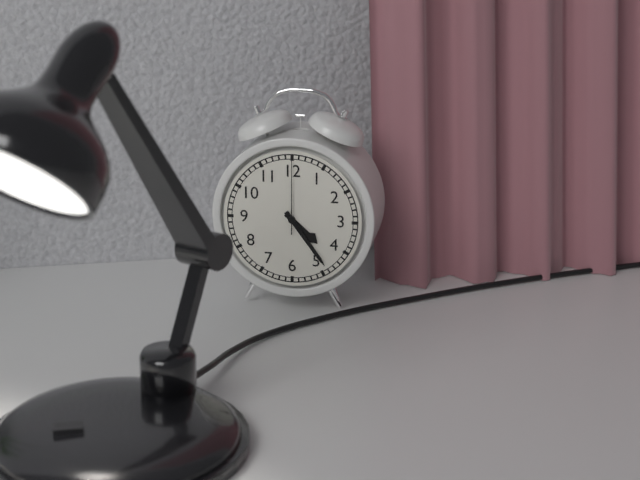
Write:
4,24,00
